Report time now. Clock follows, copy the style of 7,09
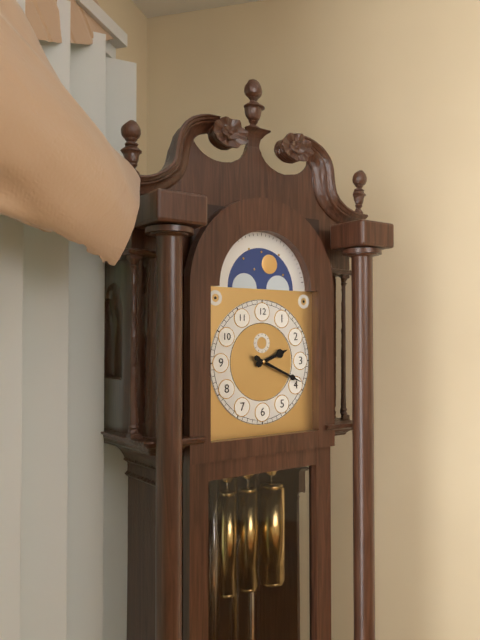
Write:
2,19
